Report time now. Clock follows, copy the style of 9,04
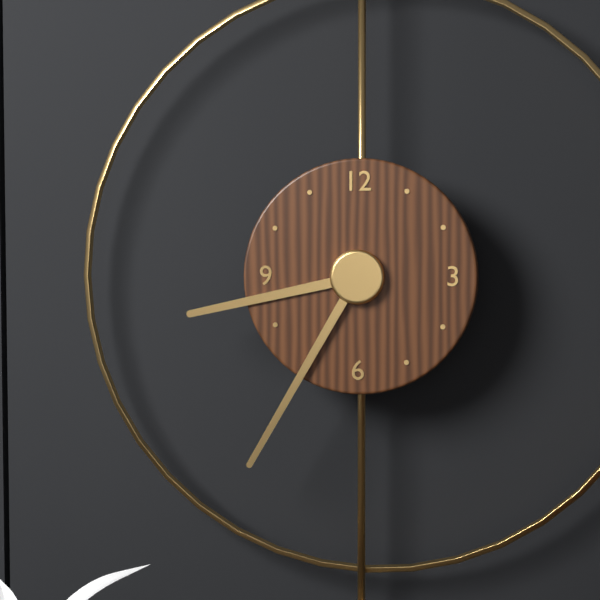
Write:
8,35
